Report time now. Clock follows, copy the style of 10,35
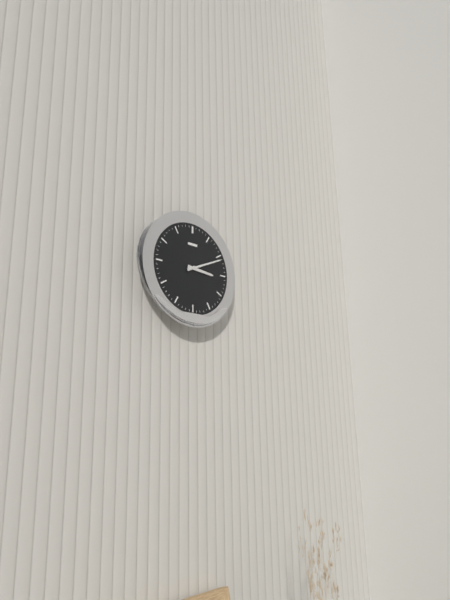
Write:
3,11
